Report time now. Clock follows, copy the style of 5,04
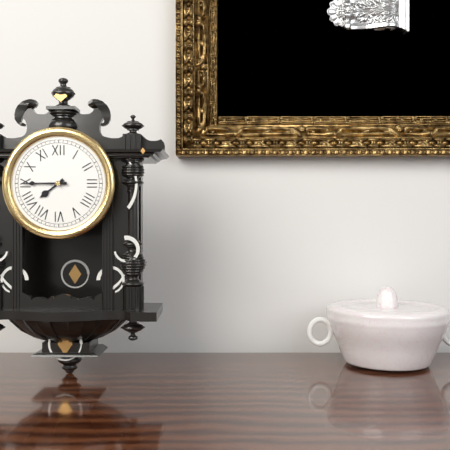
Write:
7,45
